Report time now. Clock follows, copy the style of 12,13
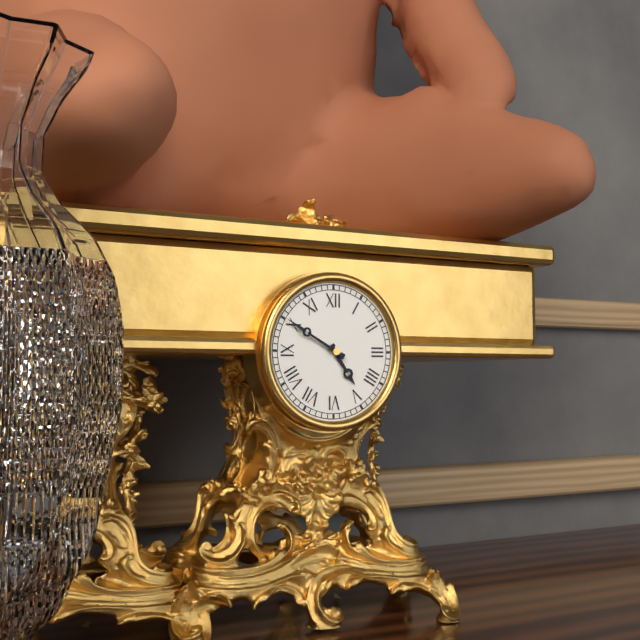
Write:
4,50
